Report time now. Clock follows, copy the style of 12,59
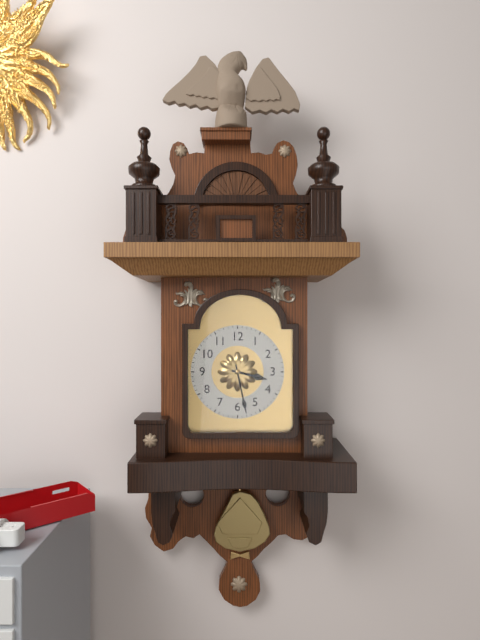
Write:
3,28
